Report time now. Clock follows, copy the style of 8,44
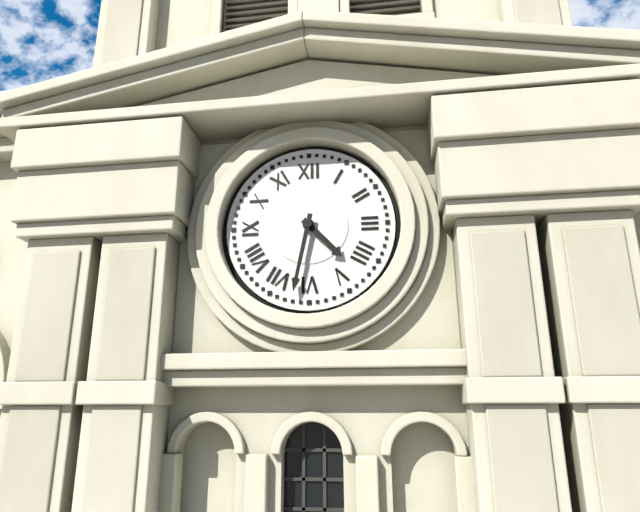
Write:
4,32
